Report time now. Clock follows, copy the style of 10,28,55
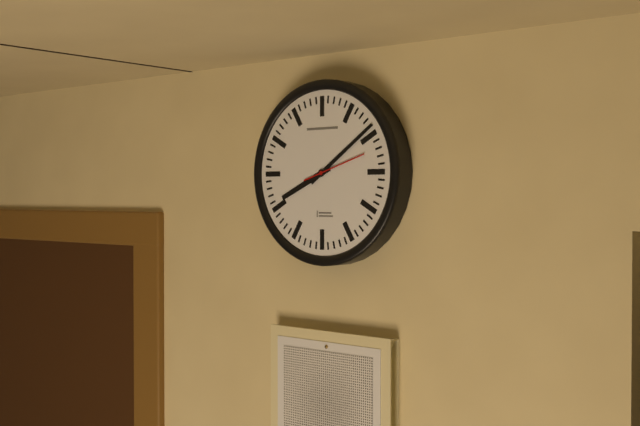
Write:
8,09,12
